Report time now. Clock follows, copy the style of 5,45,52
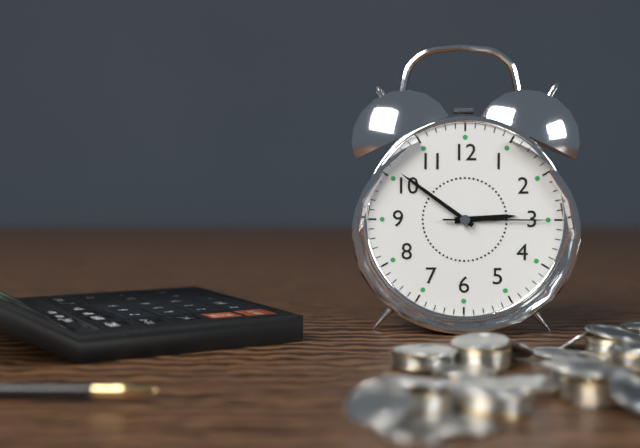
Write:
2,51,15
